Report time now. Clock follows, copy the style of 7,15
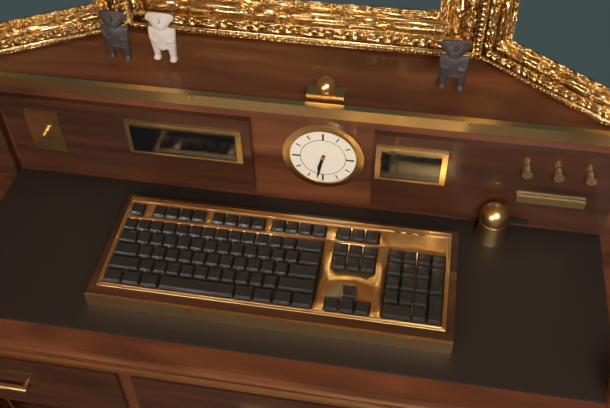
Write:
6,32
